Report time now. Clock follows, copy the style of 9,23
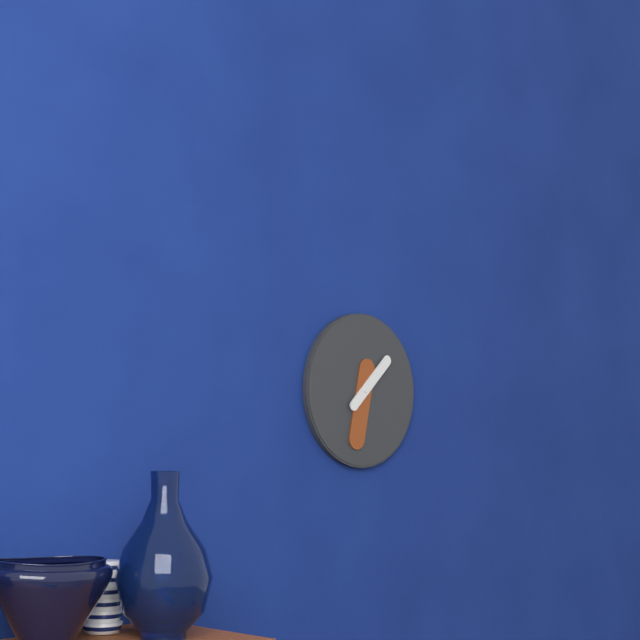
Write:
1,32
